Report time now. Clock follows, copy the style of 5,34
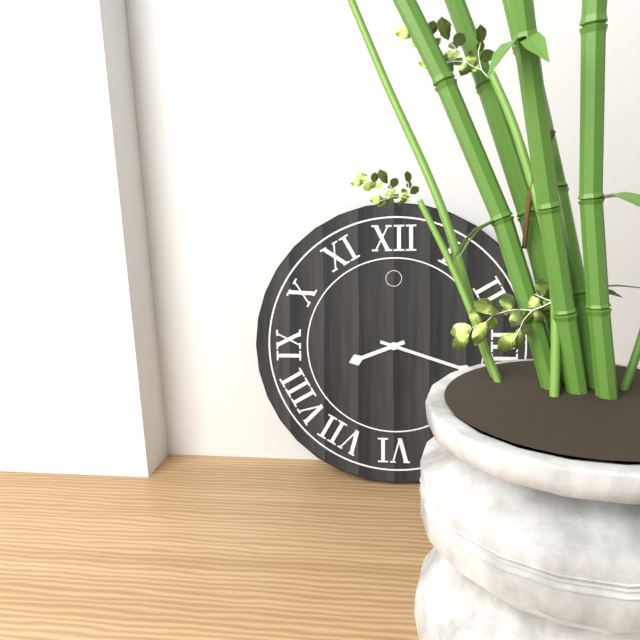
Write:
8,18
